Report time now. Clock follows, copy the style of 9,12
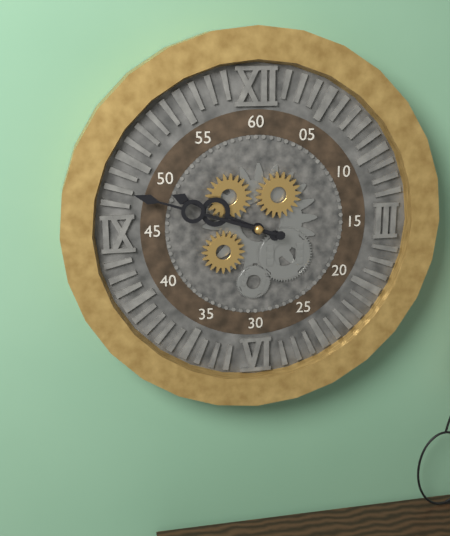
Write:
9,48
